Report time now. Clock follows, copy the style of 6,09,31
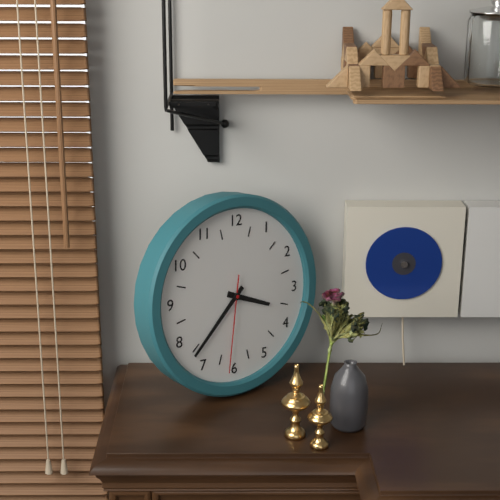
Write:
3,37,31
